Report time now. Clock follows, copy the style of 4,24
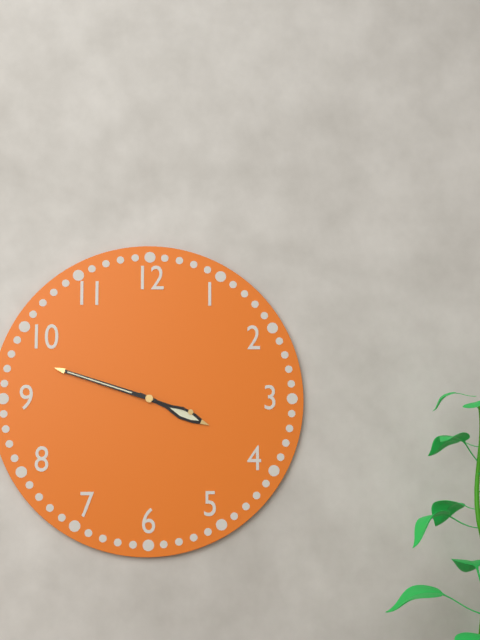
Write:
3,48
